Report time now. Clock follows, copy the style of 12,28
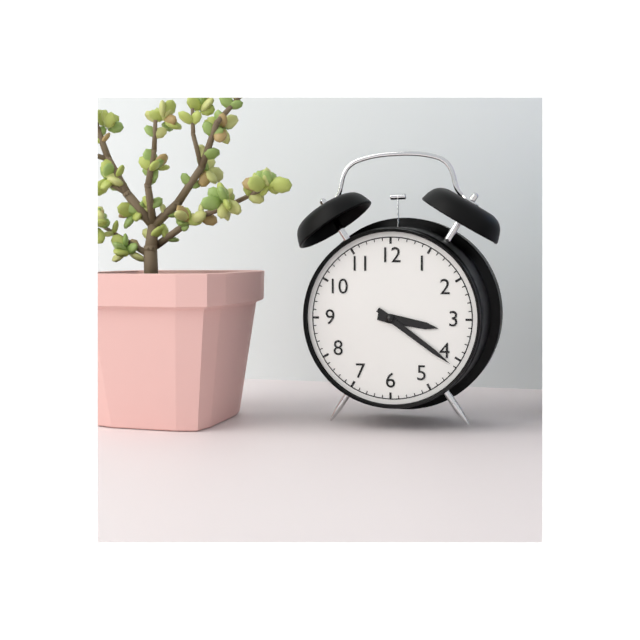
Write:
3,21
